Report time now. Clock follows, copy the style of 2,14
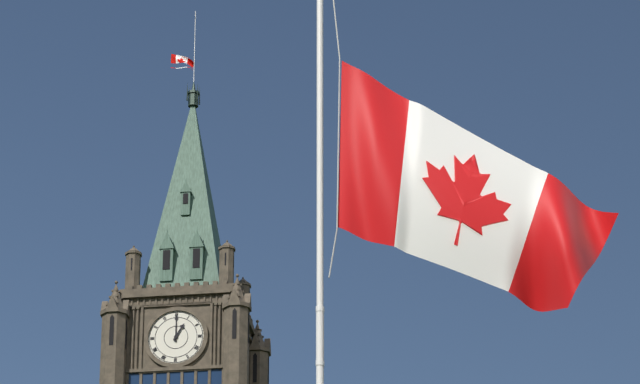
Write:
1,00
